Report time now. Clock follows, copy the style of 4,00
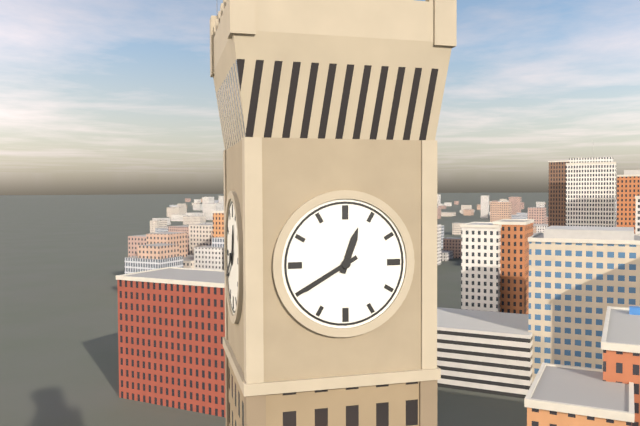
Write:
12,40
